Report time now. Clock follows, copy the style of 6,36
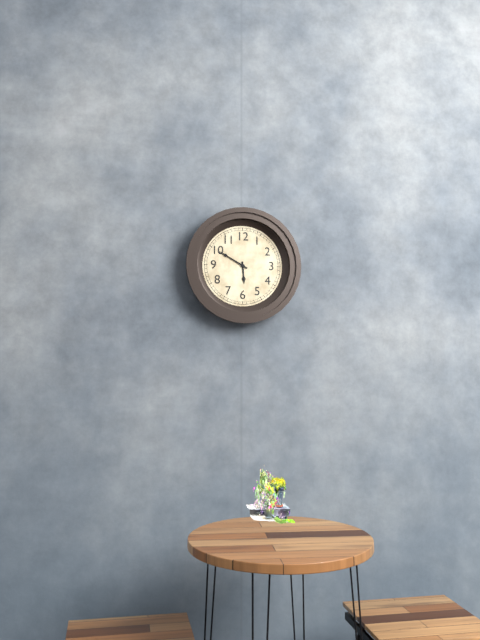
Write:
5,50
